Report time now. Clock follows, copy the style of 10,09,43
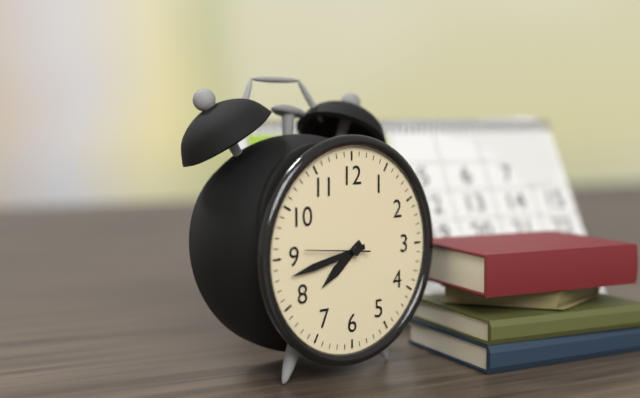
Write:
7,43,46
